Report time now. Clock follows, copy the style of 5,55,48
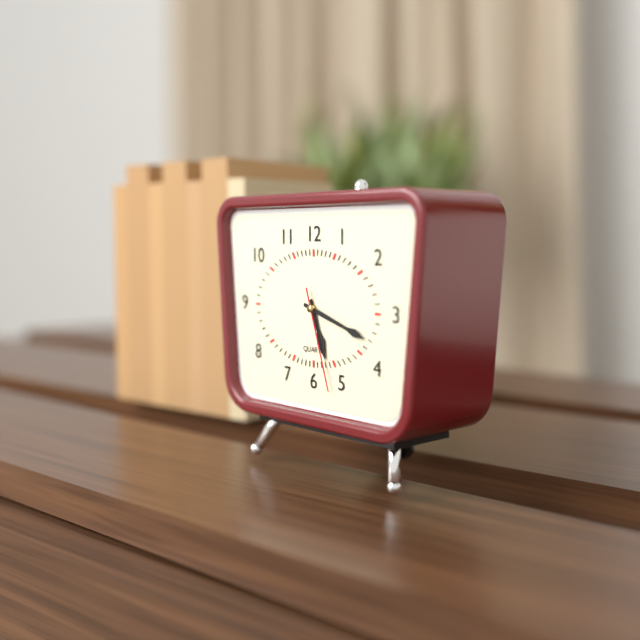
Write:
5,18,27
